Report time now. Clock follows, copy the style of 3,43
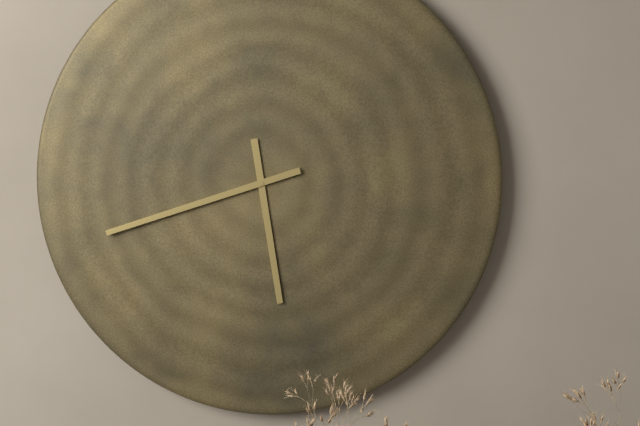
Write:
5,42
